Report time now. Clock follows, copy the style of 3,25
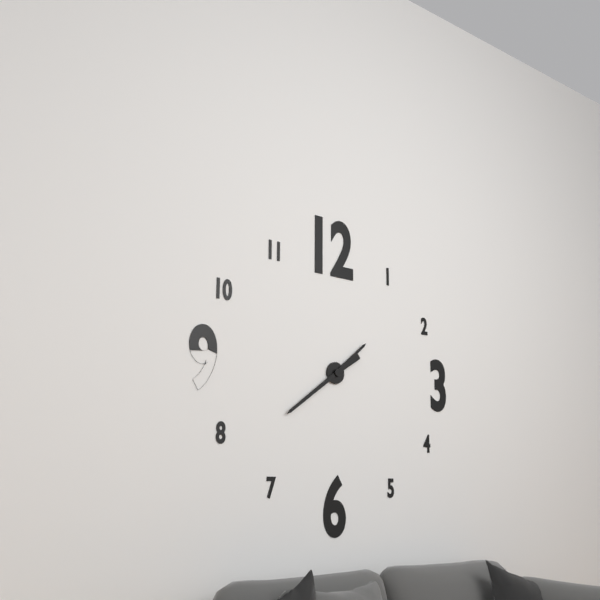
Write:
1,39
